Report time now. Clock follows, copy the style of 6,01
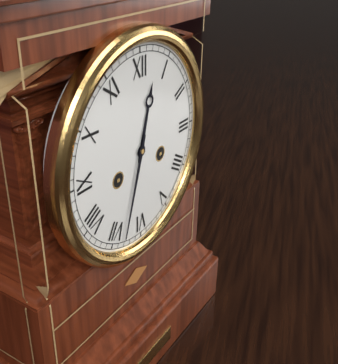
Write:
12,33
